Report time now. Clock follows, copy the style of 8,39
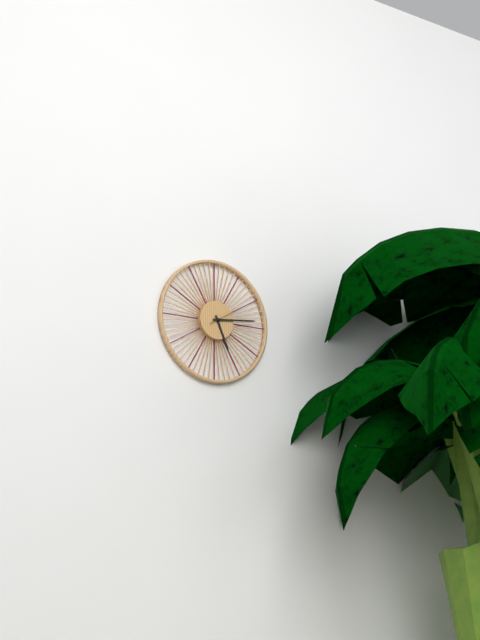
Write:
5,14
